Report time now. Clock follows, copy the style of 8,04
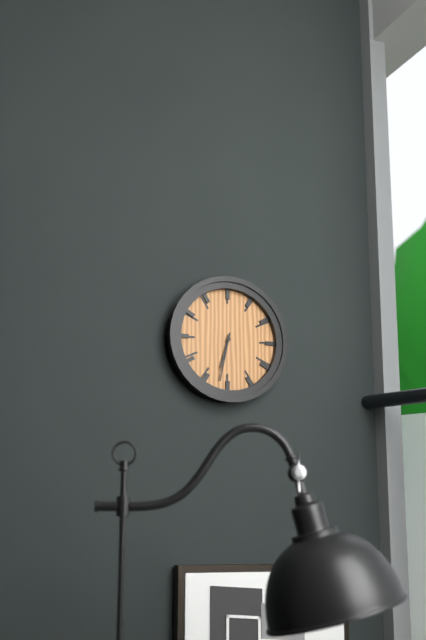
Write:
6,32
